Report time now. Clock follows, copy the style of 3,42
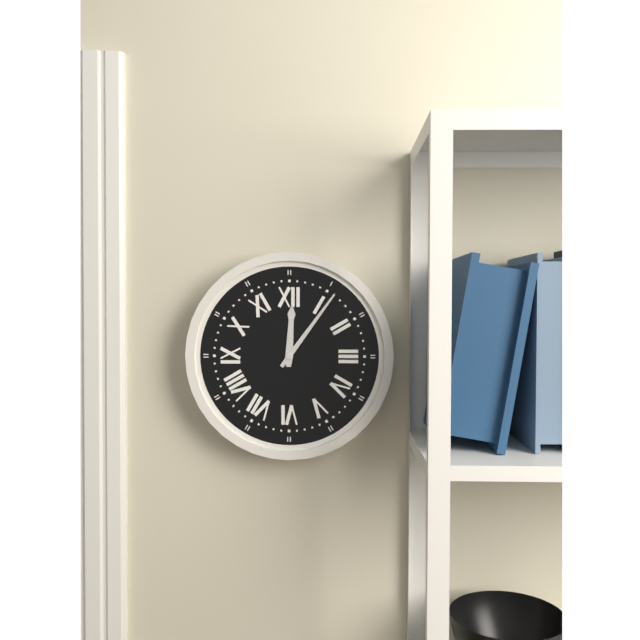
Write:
12,06
